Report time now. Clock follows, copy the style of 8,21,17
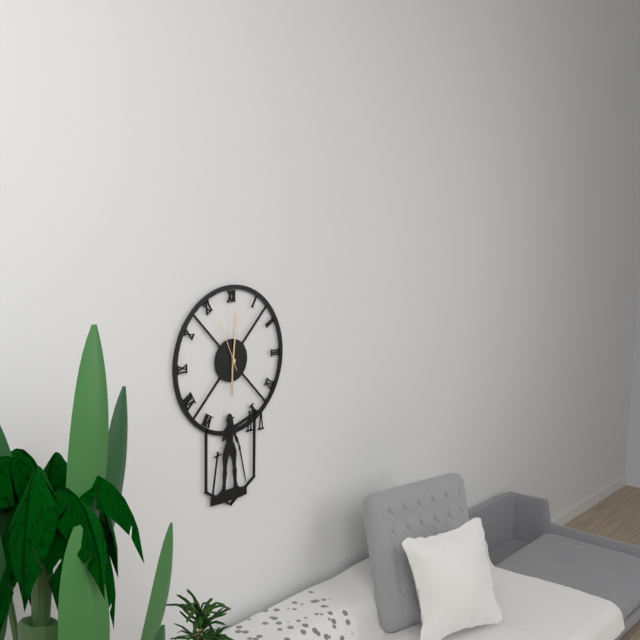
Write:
6,01,56
